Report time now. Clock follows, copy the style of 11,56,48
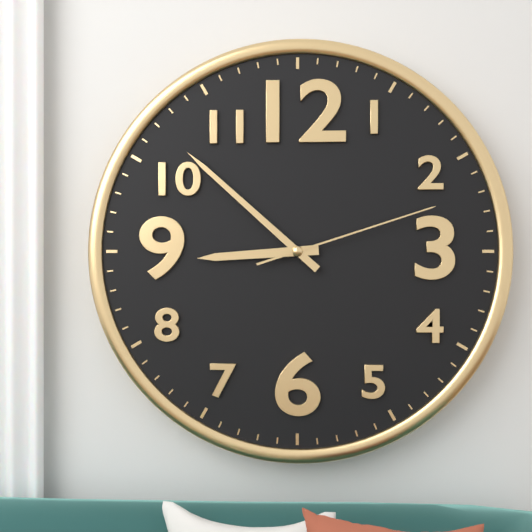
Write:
8,52,12
